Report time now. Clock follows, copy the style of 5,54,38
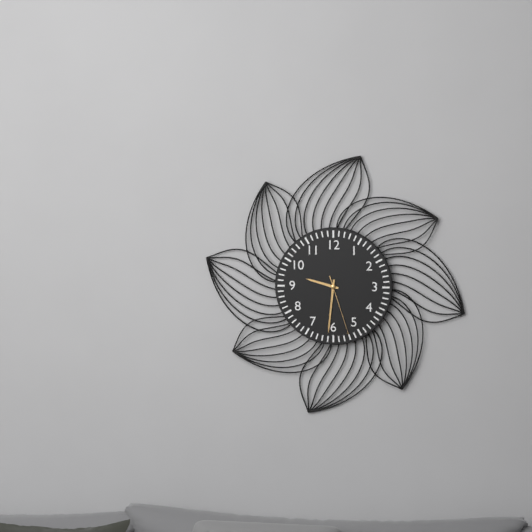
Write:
9,31,27
